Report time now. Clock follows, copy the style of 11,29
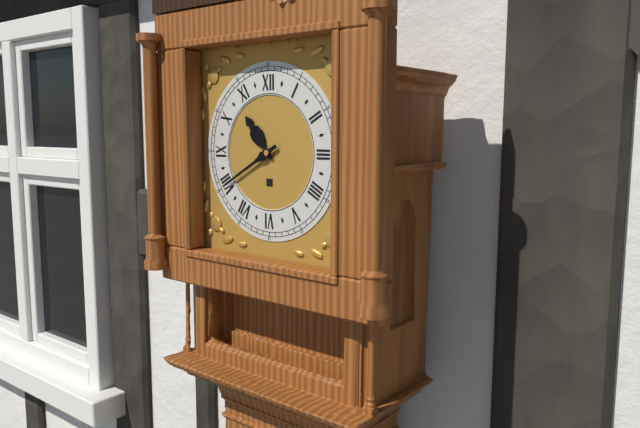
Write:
10,40
